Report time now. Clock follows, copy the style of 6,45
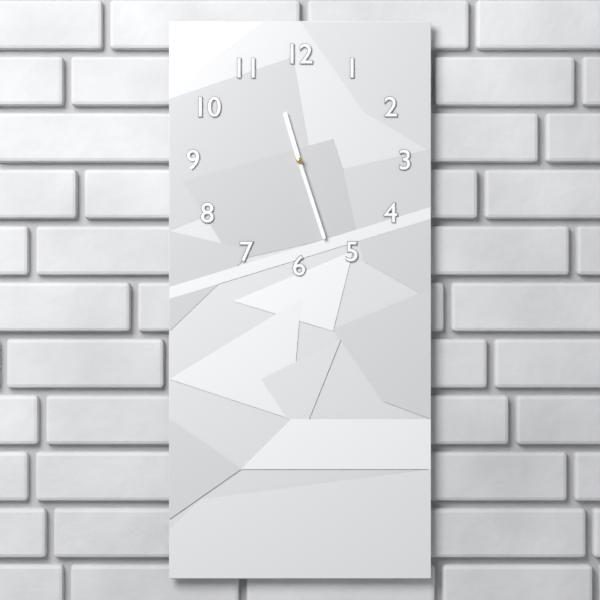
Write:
11,27
